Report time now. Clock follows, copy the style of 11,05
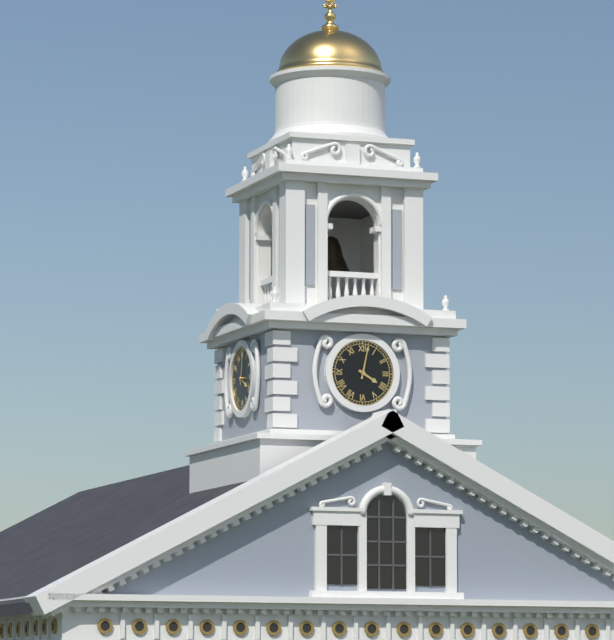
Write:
4,02
